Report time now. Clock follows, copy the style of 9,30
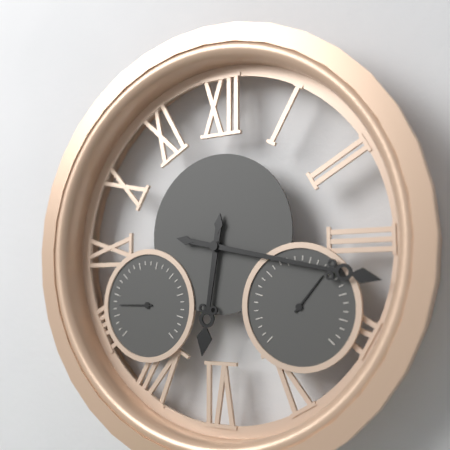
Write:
6,17
